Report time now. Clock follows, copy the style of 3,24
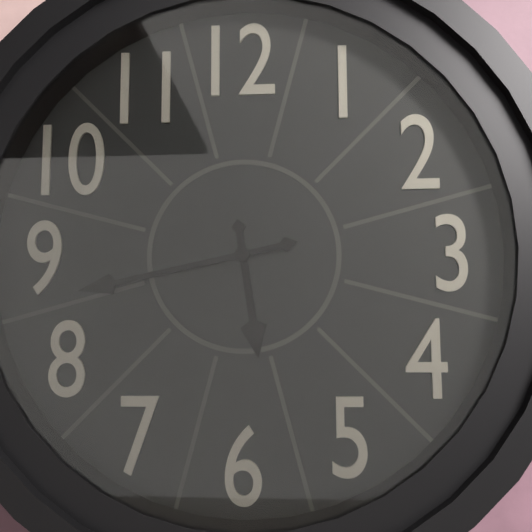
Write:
5,43
